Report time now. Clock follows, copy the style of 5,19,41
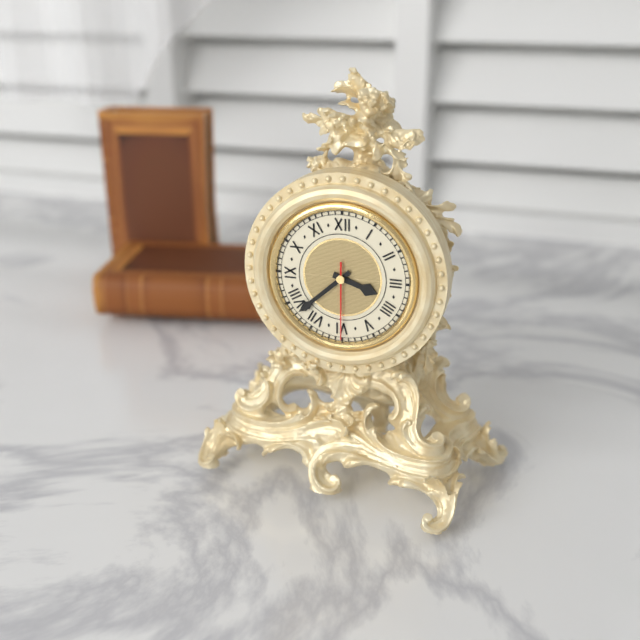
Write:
3,38,30
